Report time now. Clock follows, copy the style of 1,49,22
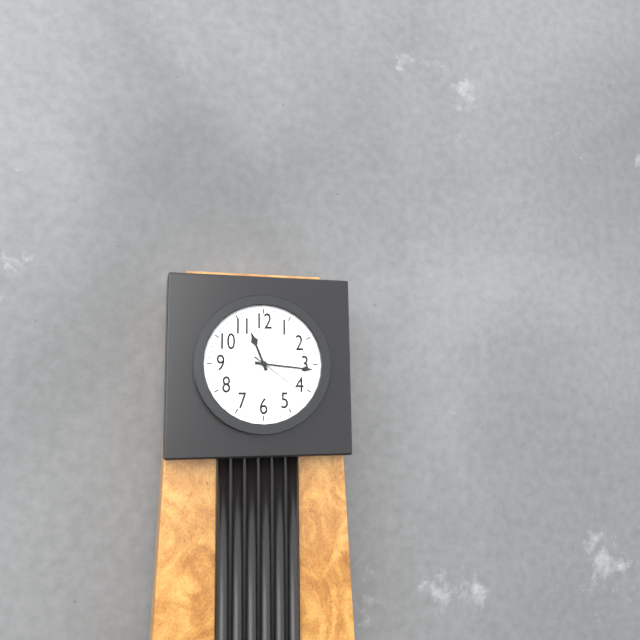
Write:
11,16,21
